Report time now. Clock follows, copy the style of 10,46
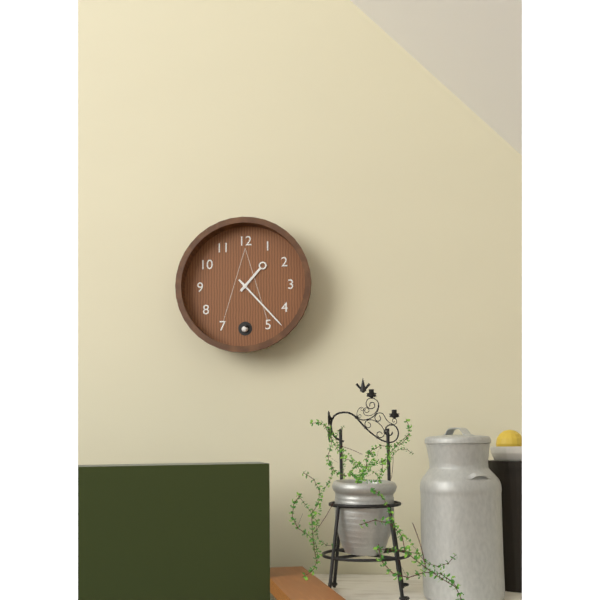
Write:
1,23
